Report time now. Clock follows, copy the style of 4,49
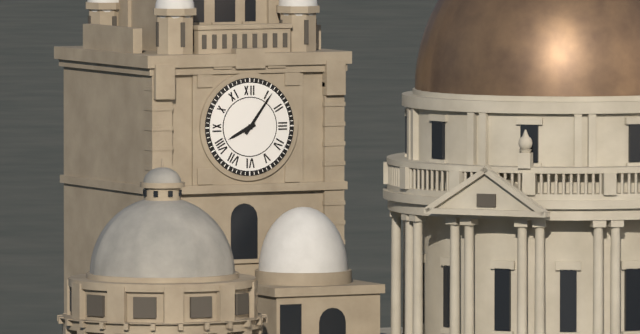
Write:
8,06
